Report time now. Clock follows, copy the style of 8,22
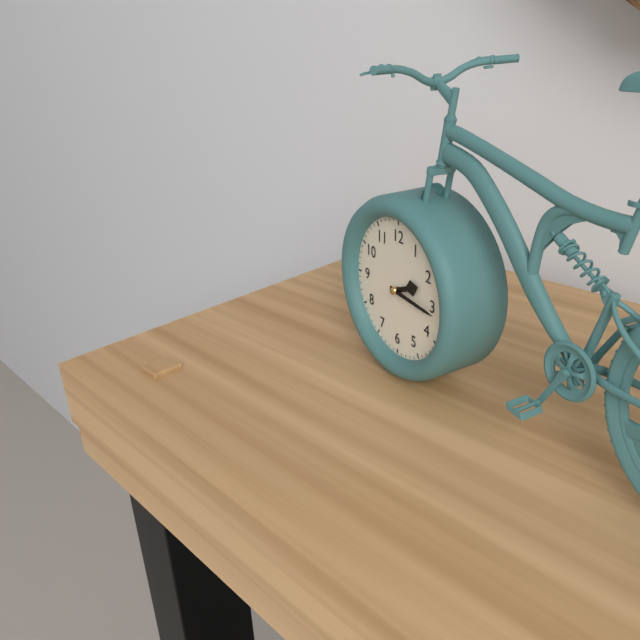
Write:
2,16
